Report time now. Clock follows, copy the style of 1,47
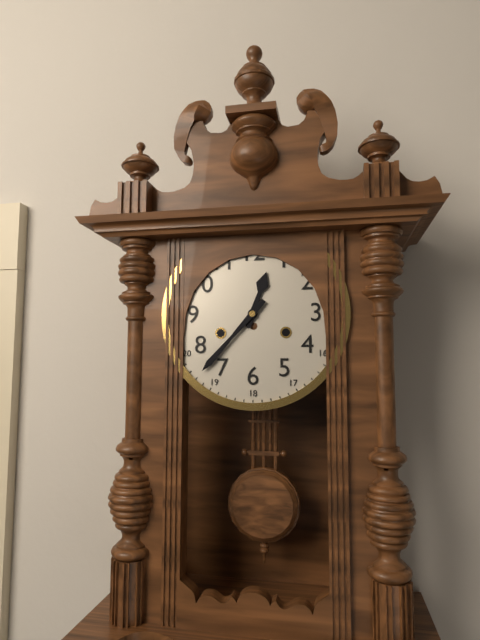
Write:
12,37
